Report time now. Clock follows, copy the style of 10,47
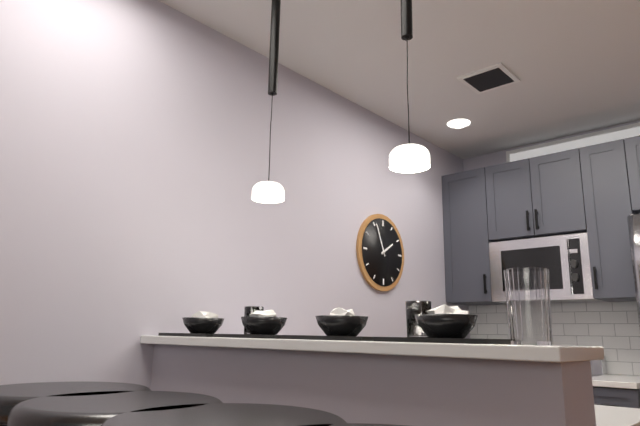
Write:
1,56
